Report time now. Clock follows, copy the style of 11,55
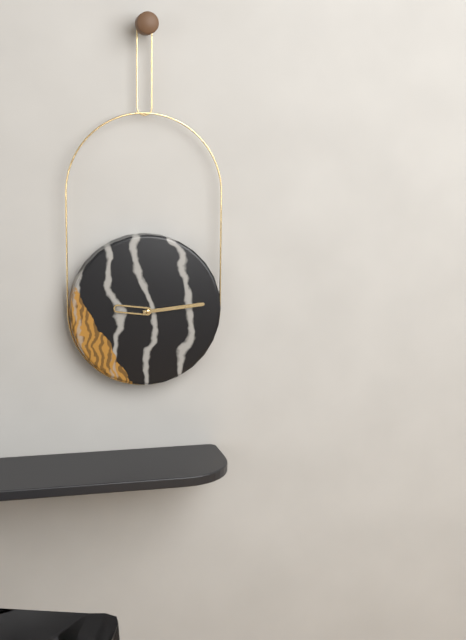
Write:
9,14
